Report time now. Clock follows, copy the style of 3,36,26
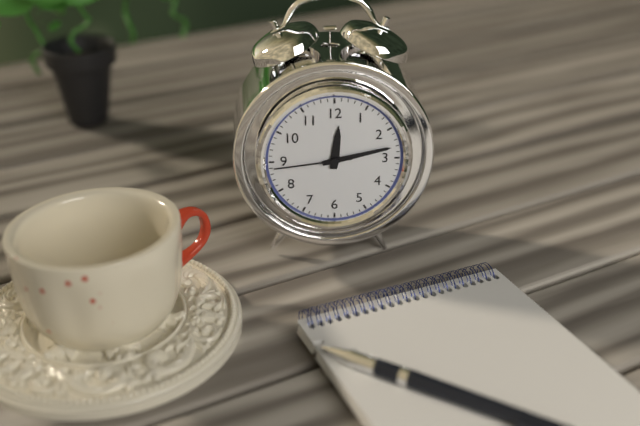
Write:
12,13,44
